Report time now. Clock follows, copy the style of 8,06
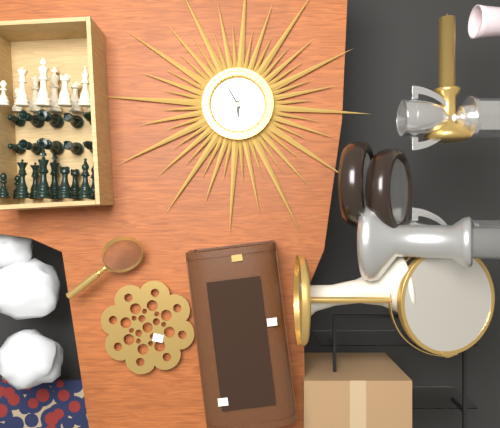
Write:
5,55
